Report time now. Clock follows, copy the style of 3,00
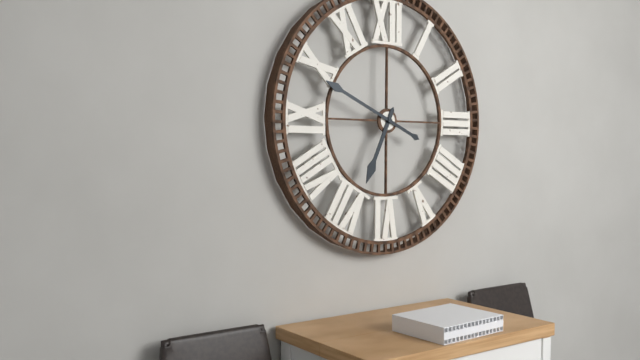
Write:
6,49
